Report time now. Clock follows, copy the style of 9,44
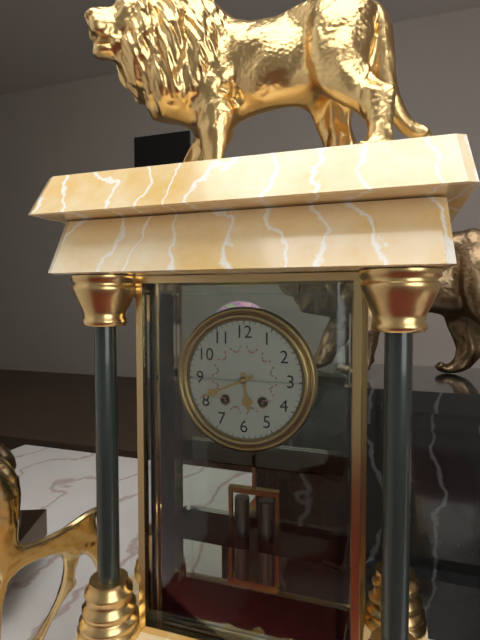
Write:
5,41
